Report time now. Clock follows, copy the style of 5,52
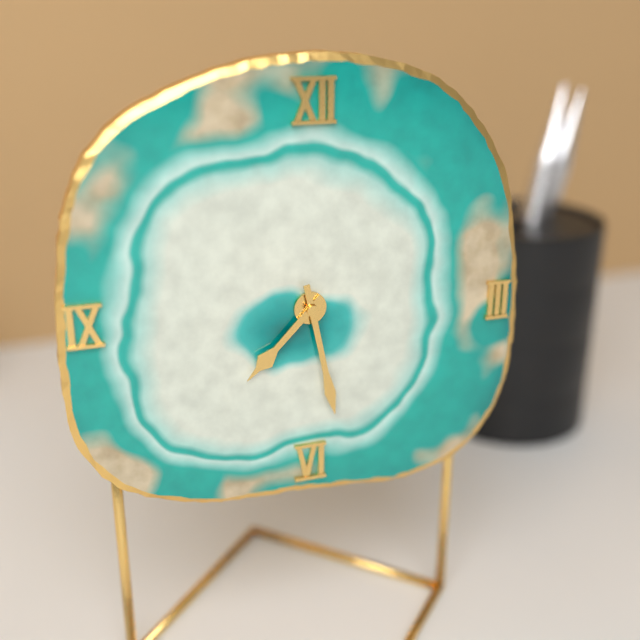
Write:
7,28
